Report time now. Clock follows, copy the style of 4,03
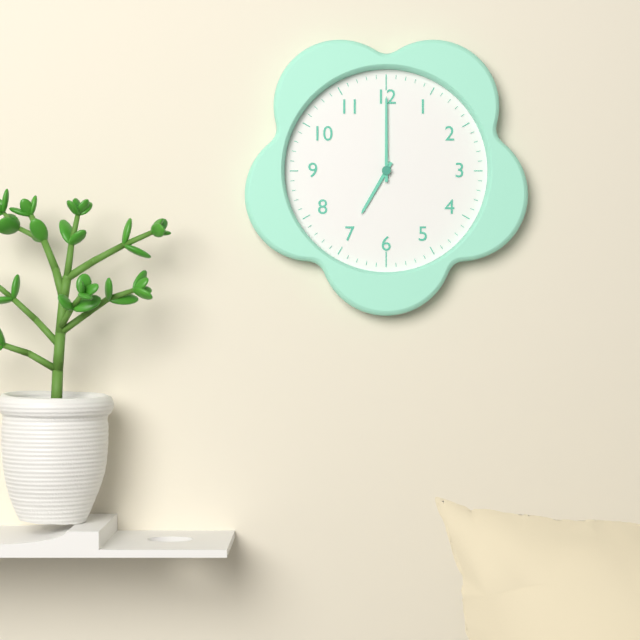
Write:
7,00
